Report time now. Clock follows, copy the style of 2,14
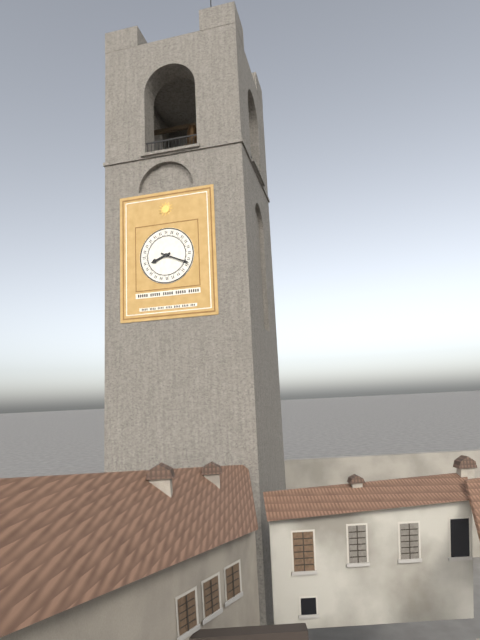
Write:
8,19
